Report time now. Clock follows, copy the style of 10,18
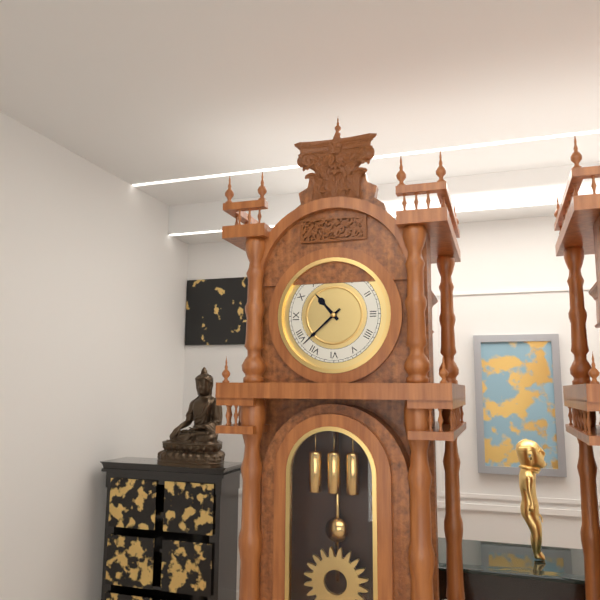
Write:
10,38
